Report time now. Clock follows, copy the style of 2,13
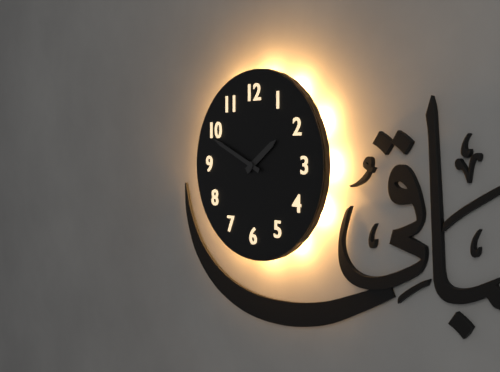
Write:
1,49
